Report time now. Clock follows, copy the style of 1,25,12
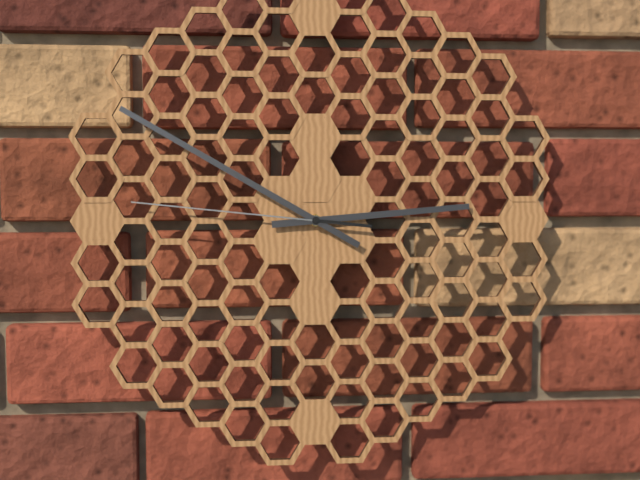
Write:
2,50,46
